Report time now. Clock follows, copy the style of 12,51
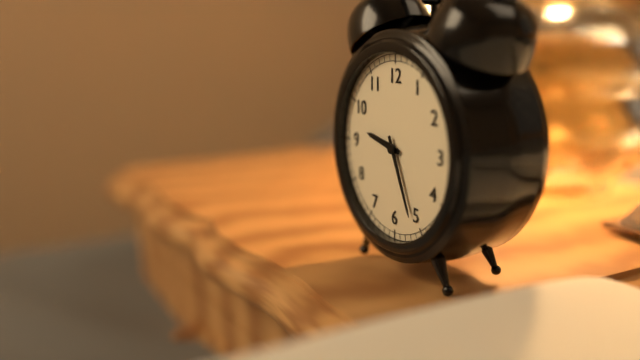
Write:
9,26
